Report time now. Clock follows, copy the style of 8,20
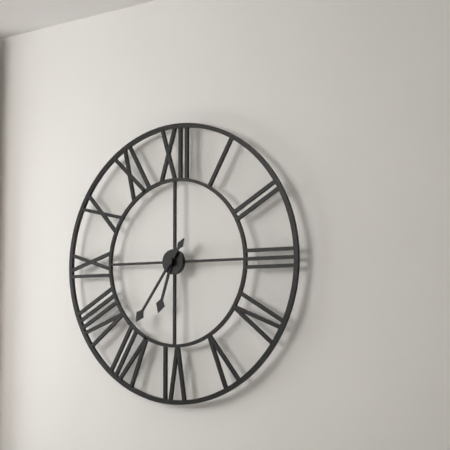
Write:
6,36
